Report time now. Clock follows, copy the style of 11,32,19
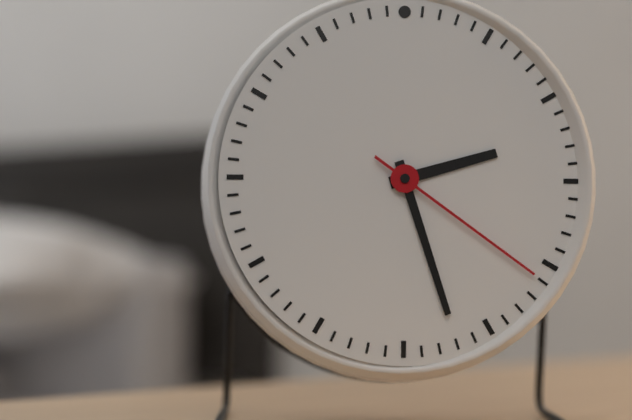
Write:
2,27,21
